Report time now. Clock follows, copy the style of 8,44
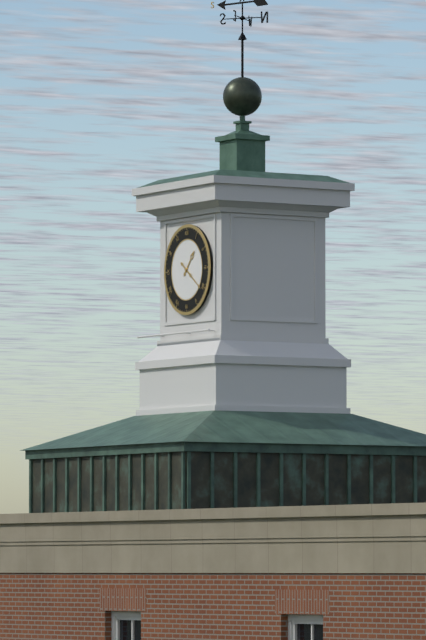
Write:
1,21
